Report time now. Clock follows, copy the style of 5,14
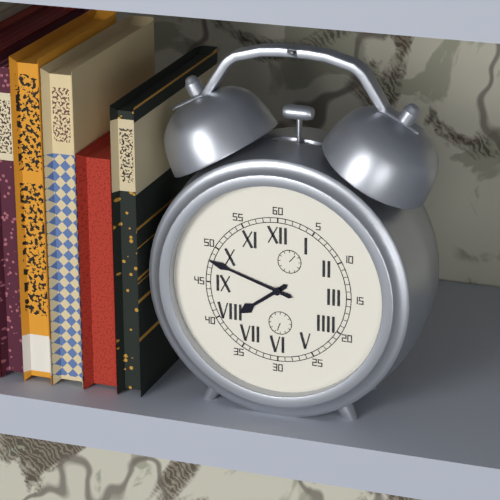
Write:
7,48
